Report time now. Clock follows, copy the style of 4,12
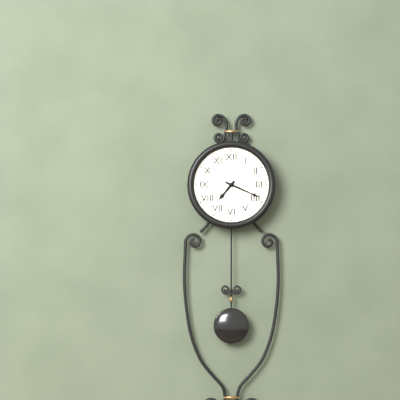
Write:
7,19
